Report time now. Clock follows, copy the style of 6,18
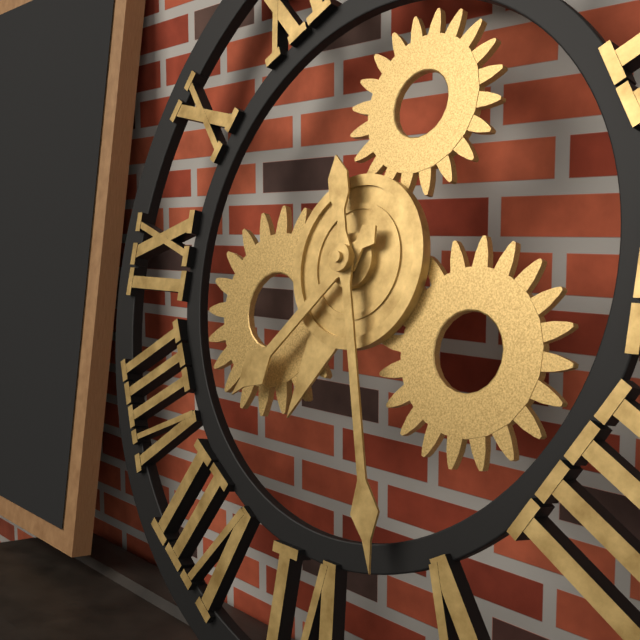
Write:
7,27
